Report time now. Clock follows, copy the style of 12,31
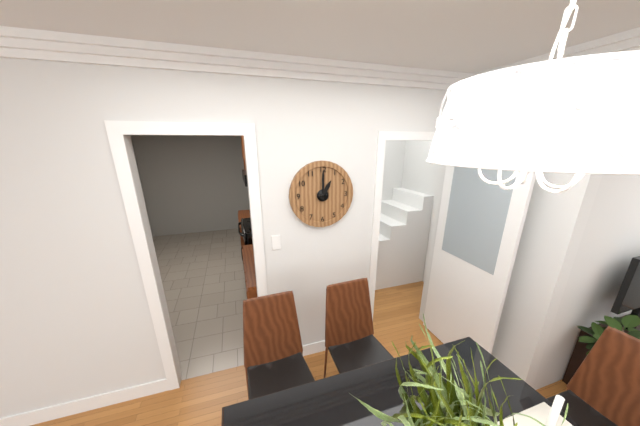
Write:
1,00
